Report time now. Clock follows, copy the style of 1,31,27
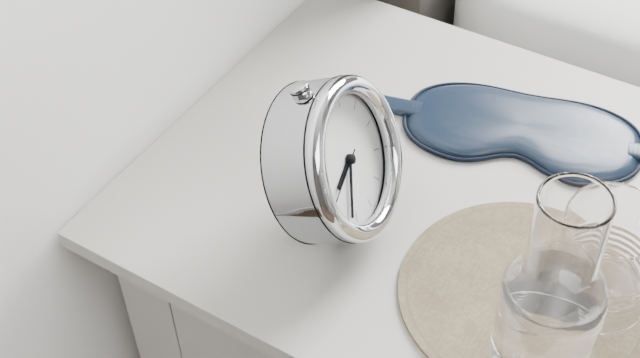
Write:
8,37,43
